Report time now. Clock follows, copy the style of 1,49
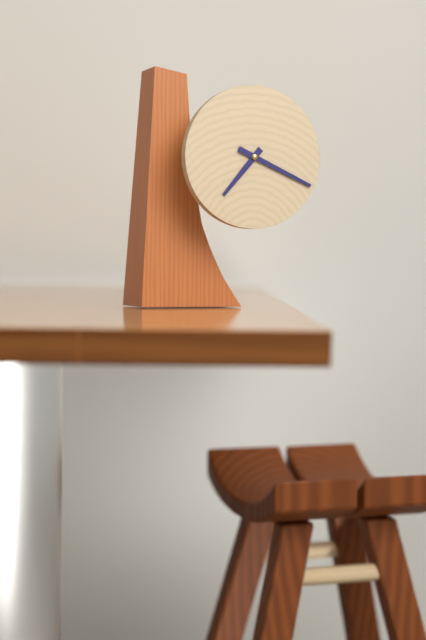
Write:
7,19
